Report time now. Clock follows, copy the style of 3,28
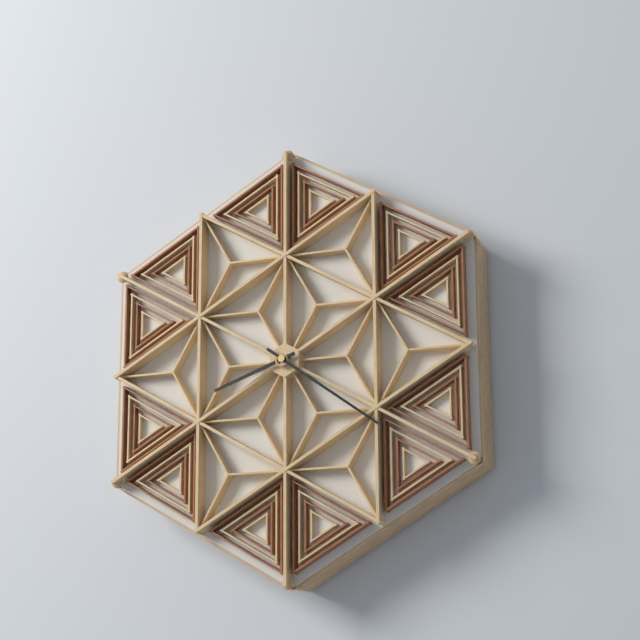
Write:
8,21
